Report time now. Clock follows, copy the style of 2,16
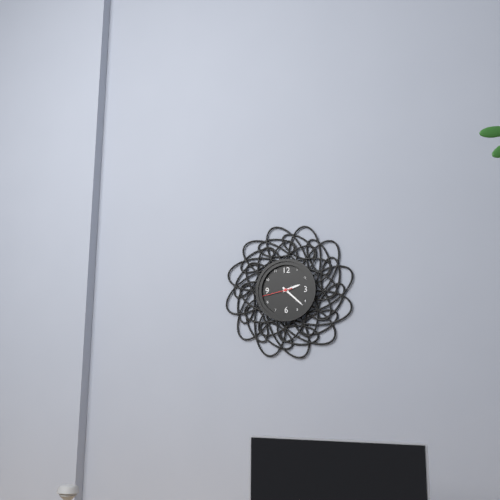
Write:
2,22
